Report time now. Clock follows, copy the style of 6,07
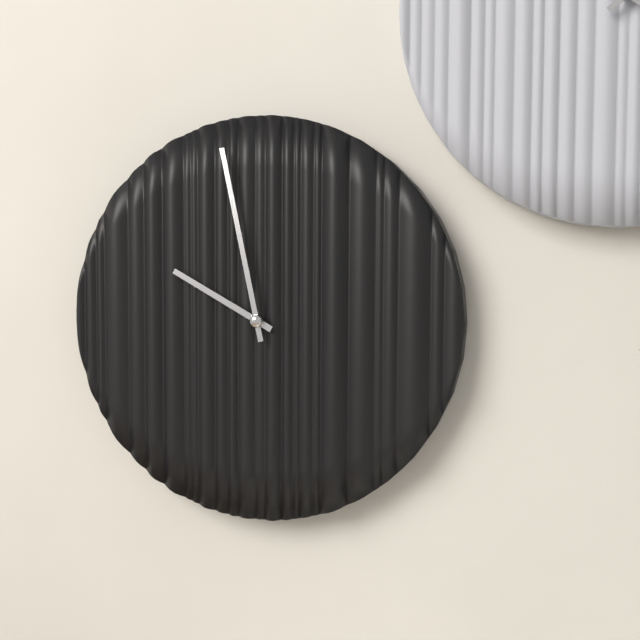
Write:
9,58
